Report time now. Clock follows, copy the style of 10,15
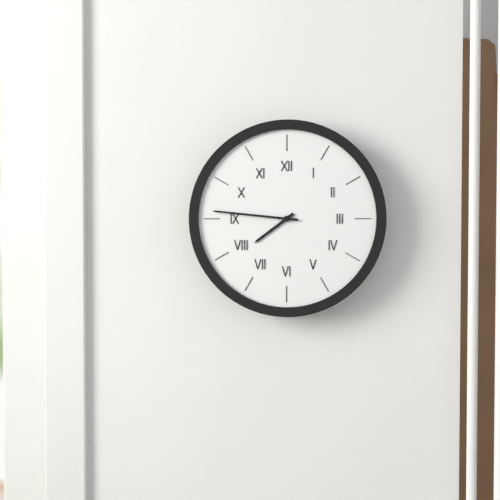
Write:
7,46
